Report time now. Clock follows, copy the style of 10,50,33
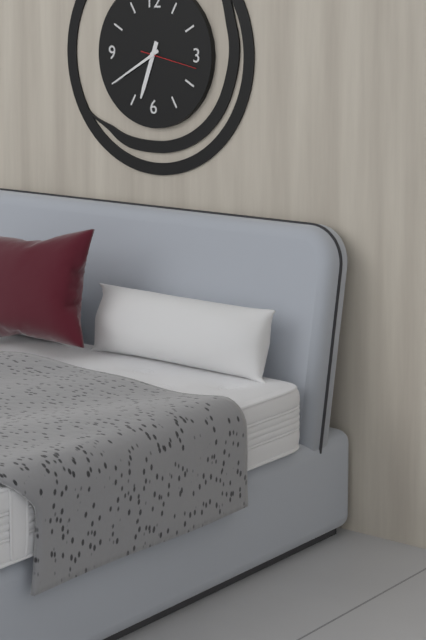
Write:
6,40,17
